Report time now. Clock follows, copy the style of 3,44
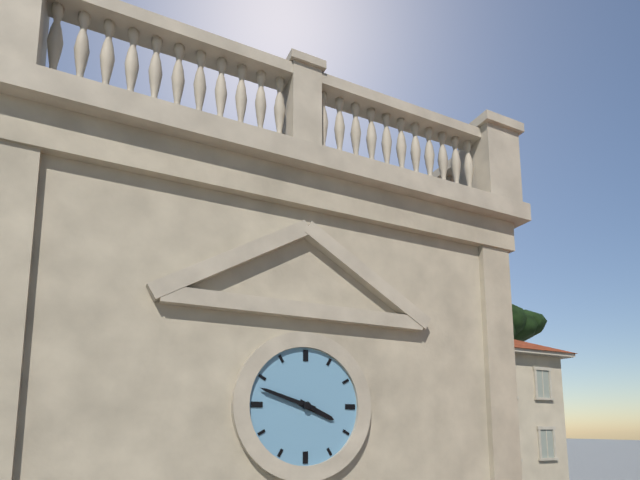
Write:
3,48
